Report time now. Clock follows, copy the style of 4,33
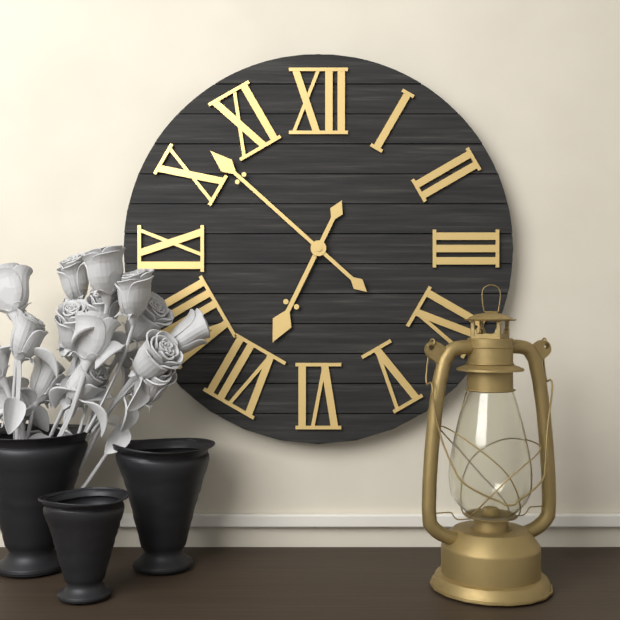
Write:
6,52
